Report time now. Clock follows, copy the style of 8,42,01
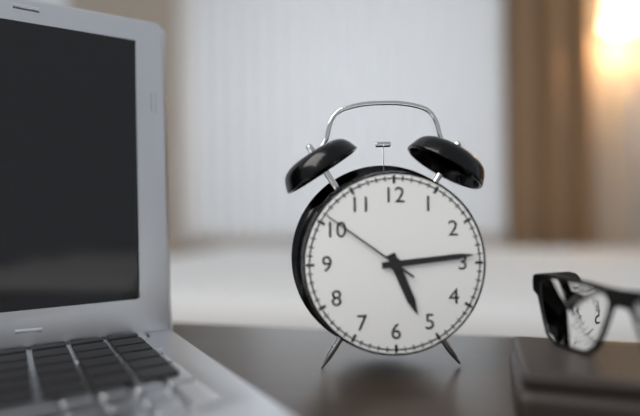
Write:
5,14,51
